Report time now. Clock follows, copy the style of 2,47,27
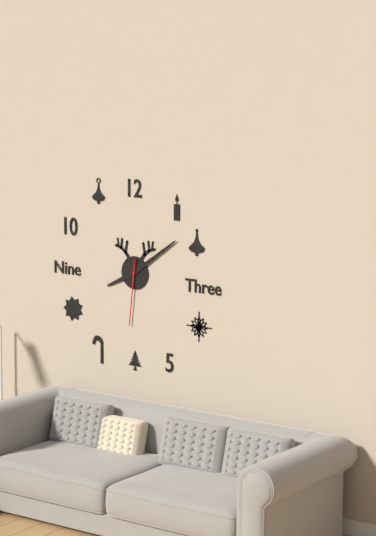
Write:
8,09,31
